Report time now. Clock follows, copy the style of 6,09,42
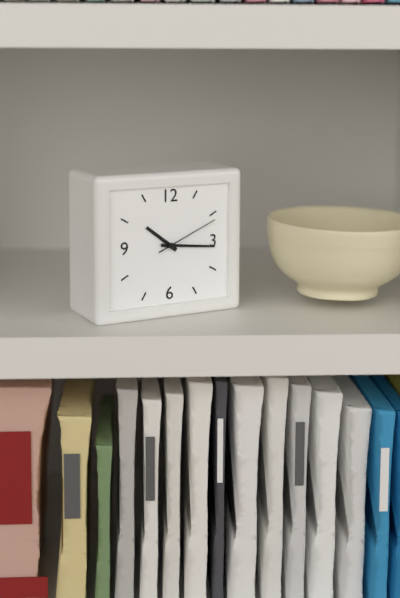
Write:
10,16,11
